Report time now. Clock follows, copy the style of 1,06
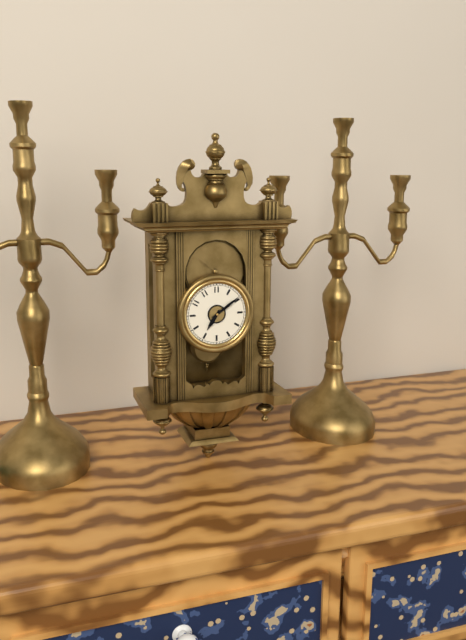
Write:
7,09
